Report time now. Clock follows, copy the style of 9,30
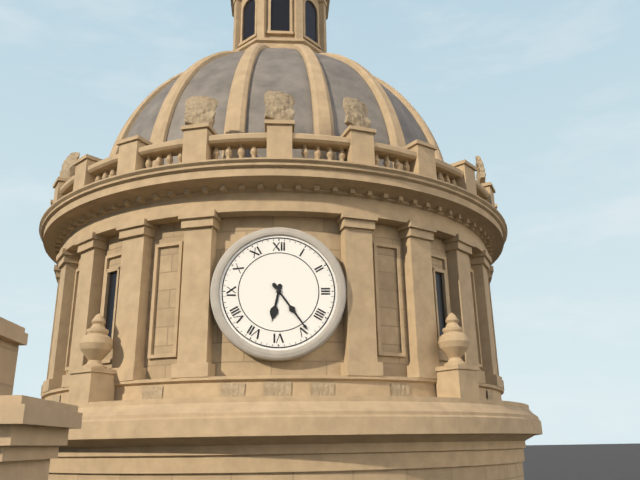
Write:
6,24
